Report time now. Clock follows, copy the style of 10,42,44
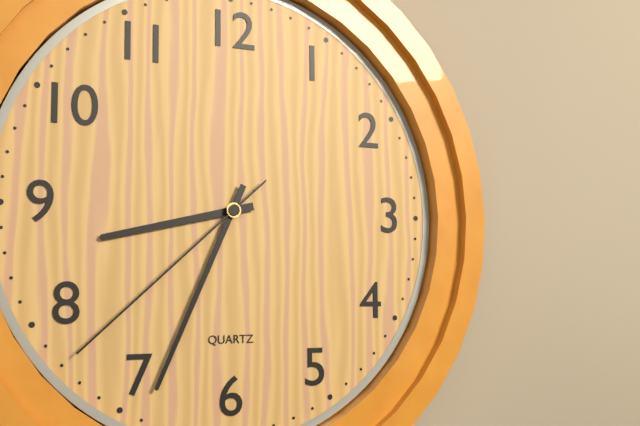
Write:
8,34,38
